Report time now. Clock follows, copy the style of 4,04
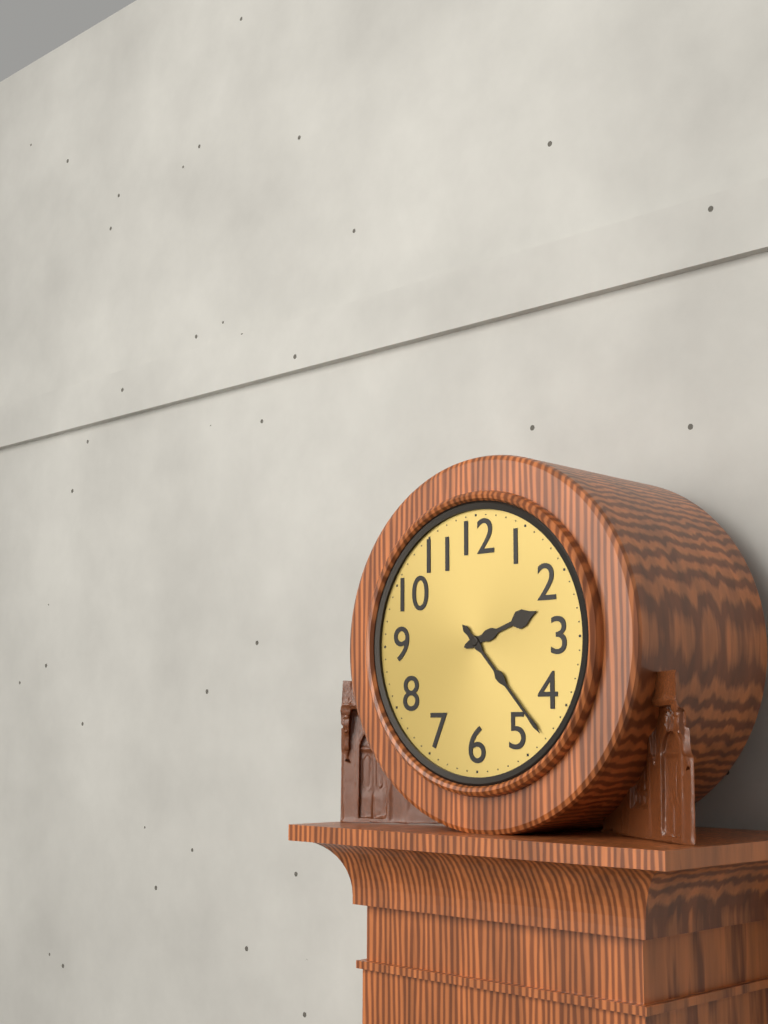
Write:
2,23
